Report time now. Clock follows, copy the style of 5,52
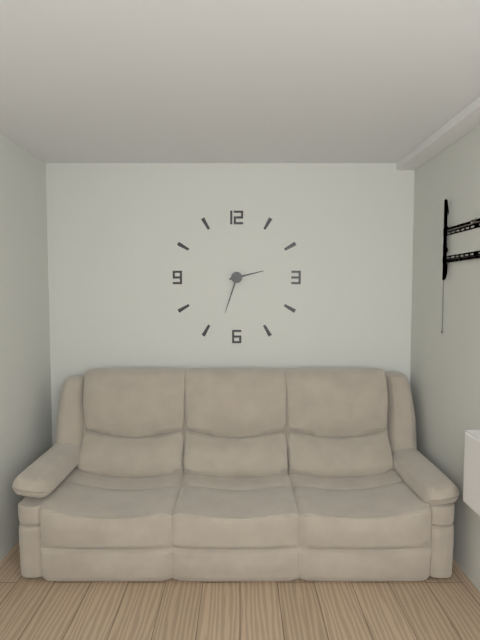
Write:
2,33
